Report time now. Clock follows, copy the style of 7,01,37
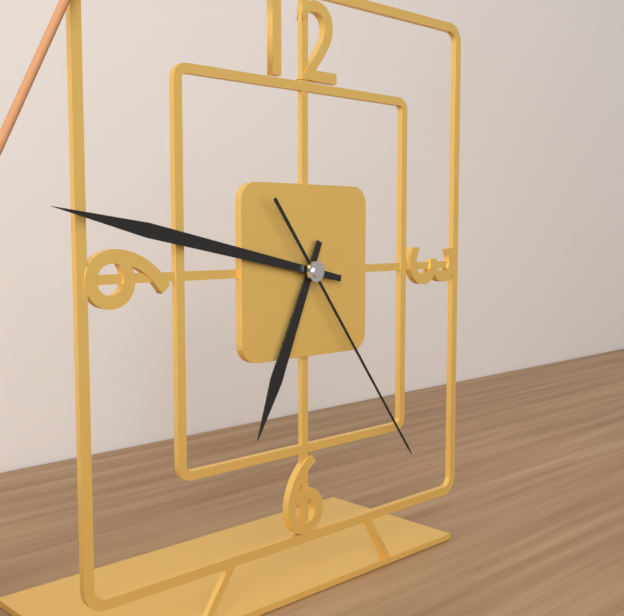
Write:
6,47,24
